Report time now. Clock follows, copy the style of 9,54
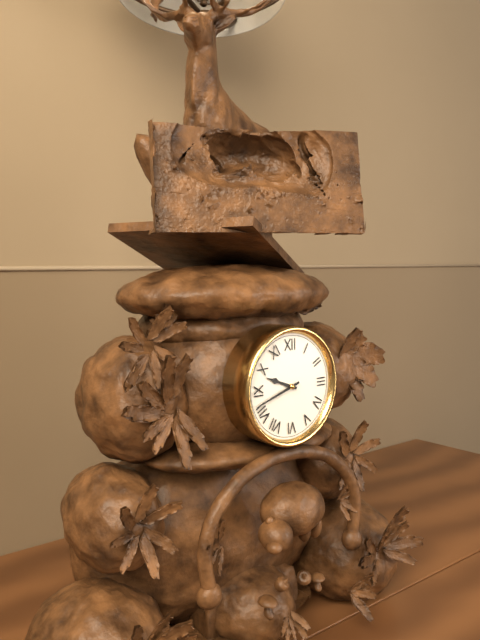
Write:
9,42
